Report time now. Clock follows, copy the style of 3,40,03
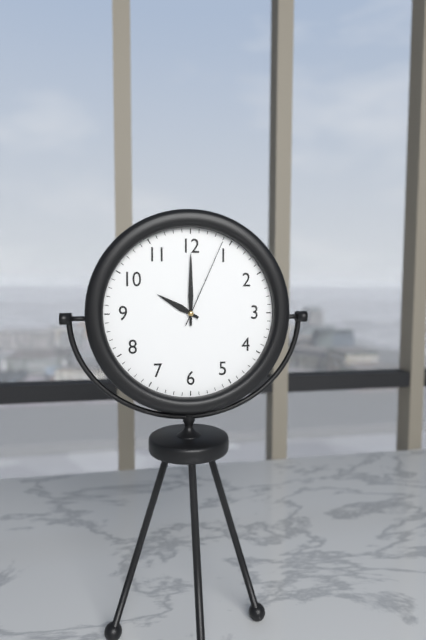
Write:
10,00,04
